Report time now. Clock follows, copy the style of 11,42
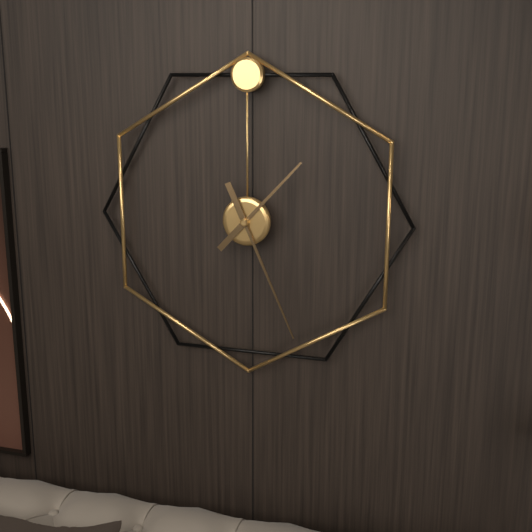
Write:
1,26
